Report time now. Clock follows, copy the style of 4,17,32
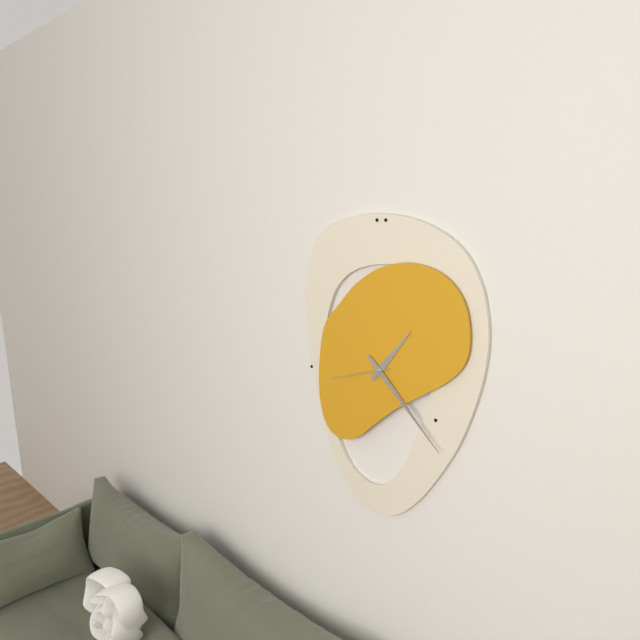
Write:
1,22,42
